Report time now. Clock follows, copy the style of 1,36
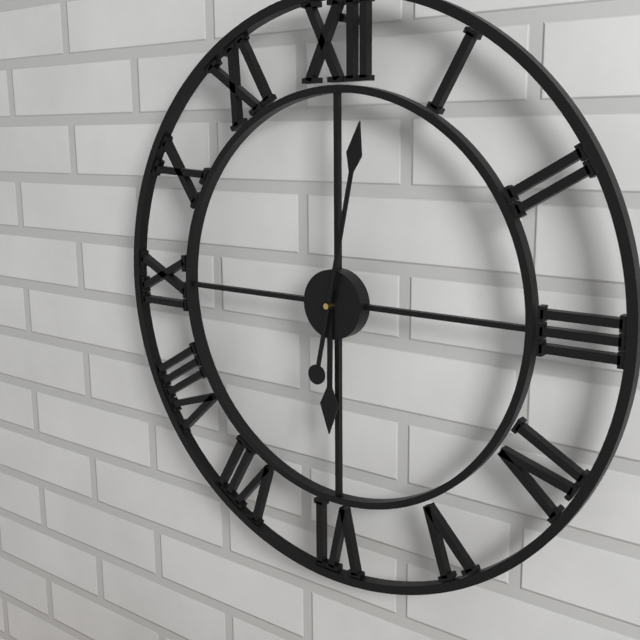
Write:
6,02
